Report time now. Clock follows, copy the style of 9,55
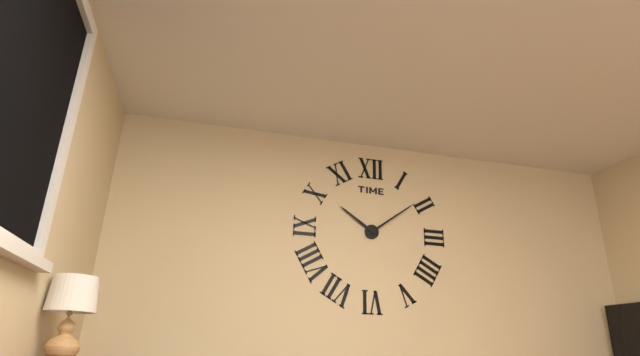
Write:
10,09
